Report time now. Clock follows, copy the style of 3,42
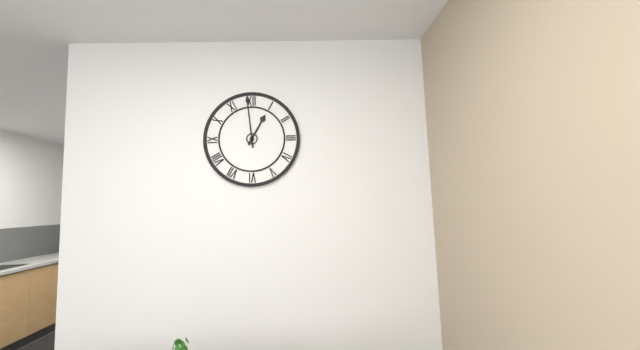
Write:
12,59
